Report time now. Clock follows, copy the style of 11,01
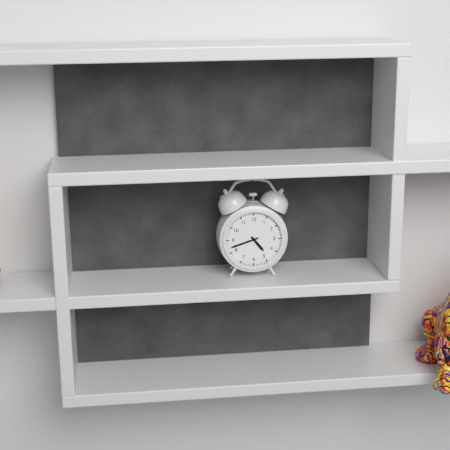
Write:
4,42
